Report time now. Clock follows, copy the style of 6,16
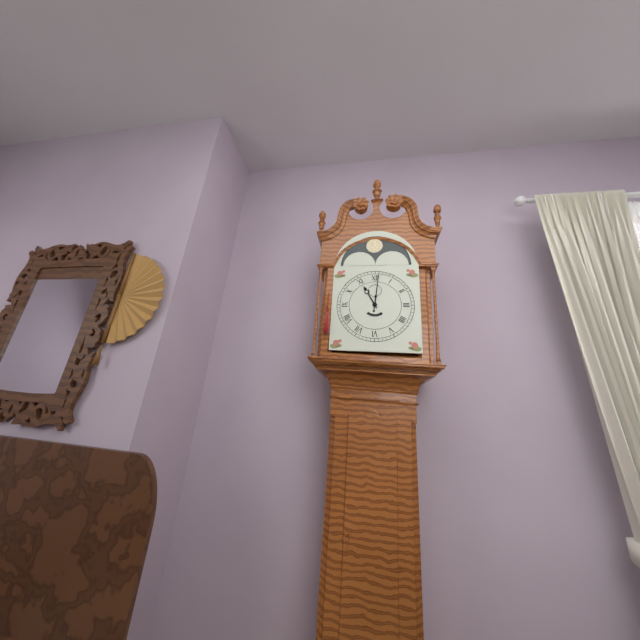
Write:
11,01
